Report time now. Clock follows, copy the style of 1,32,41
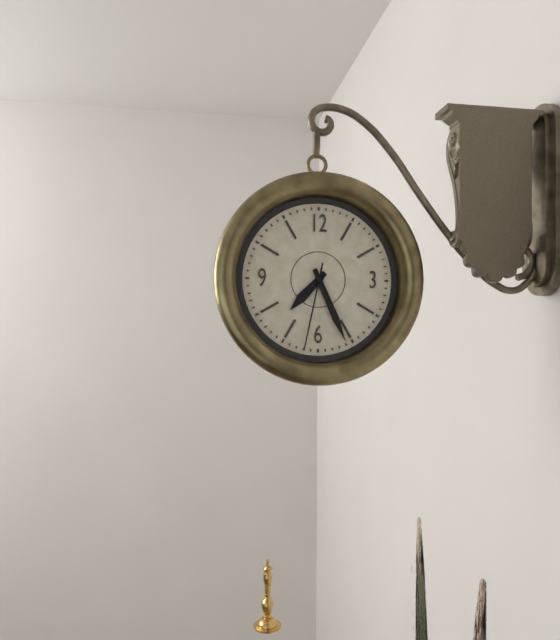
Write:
7,26,32
